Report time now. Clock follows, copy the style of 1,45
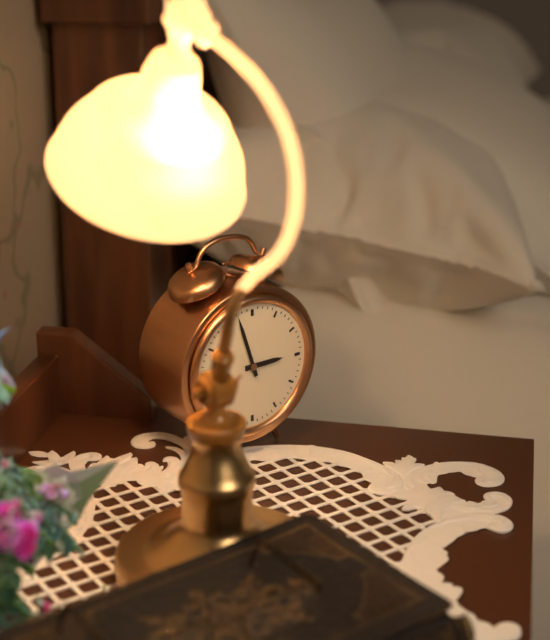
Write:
2,57
